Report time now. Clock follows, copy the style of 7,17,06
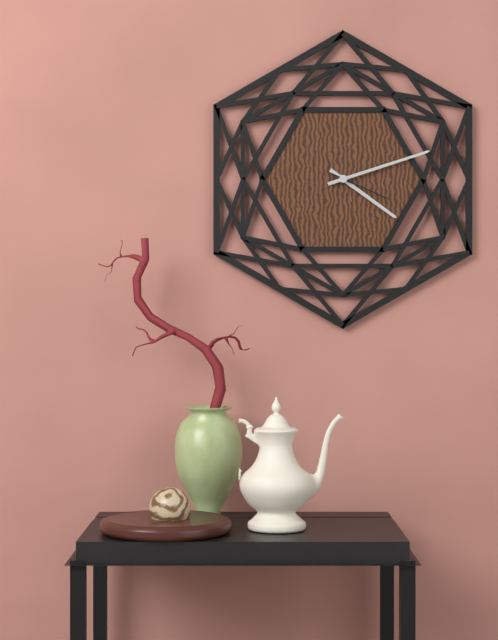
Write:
4,12,19
